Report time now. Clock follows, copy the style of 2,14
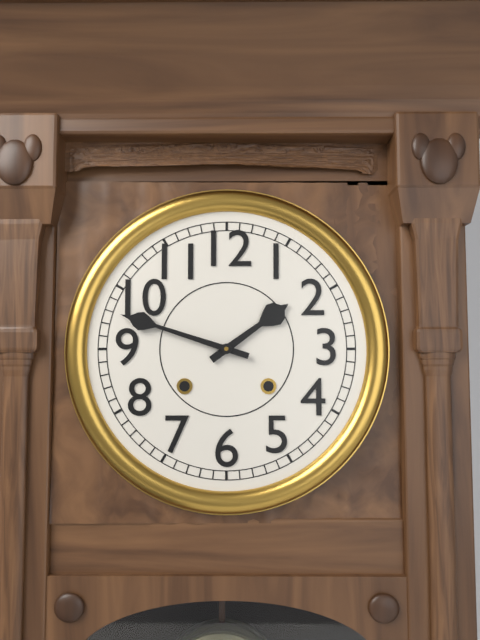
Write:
1,48
